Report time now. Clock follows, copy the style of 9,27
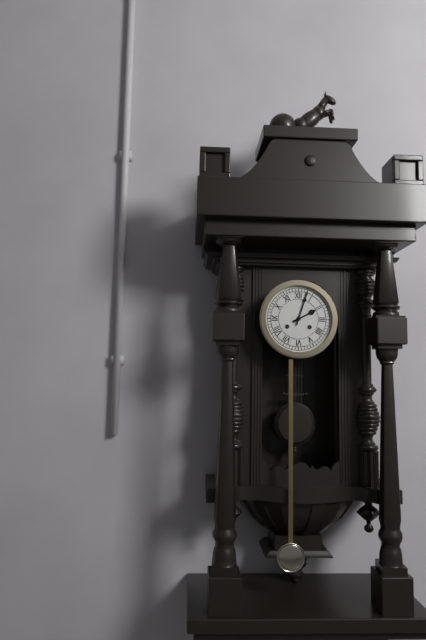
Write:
2,03
